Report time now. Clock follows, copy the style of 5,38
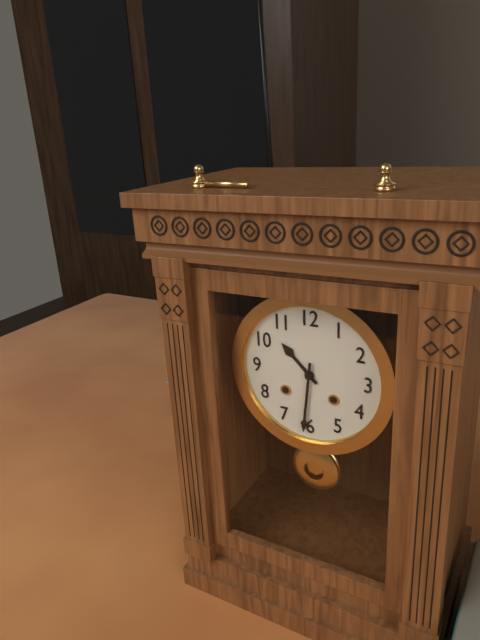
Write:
10,31
